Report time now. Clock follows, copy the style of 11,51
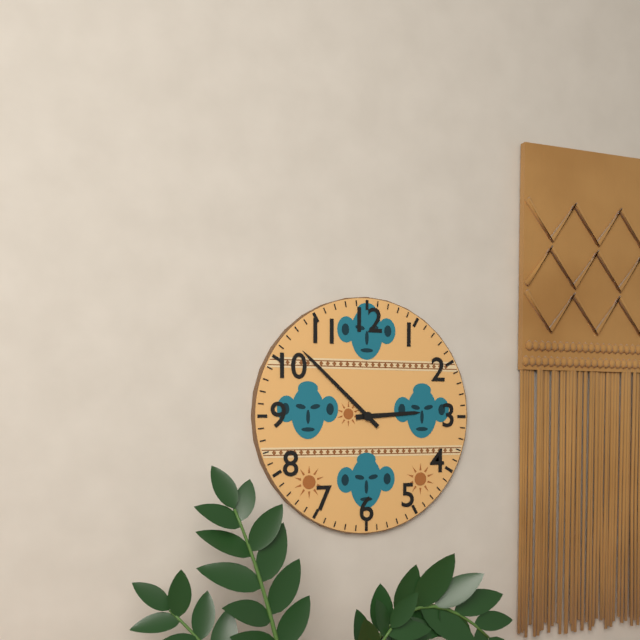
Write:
2,52
